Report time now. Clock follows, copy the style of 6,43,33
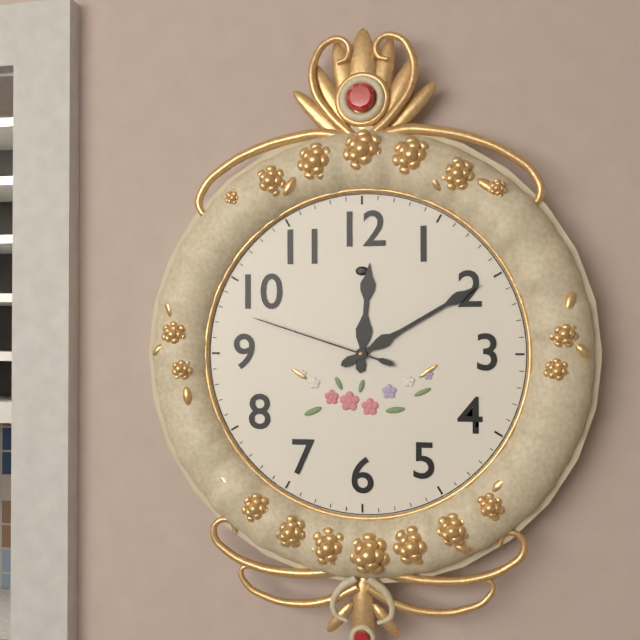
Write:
12,10,48
